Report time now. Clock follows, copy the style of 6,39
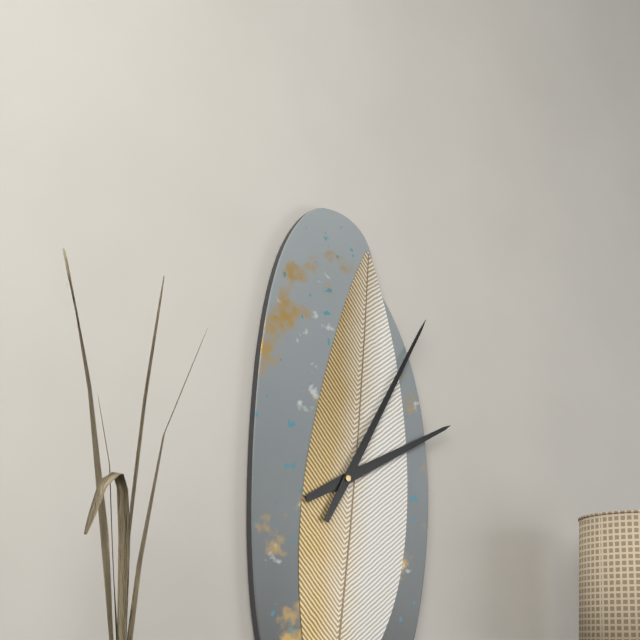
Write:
2,05
